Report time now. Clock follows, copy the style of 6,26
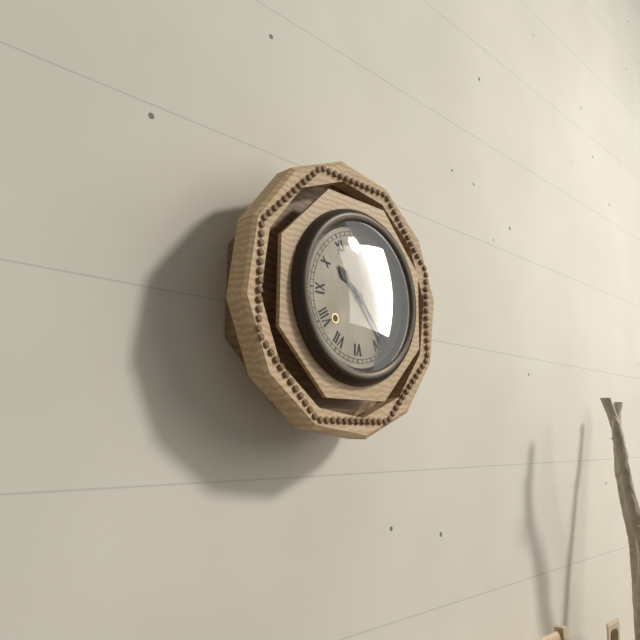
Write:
10,23
